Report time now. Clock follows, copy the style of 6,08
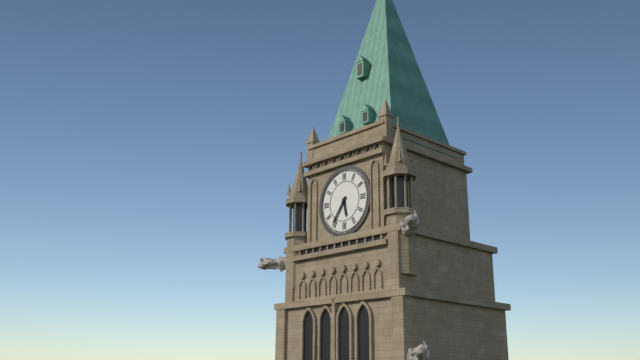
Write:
5,36
